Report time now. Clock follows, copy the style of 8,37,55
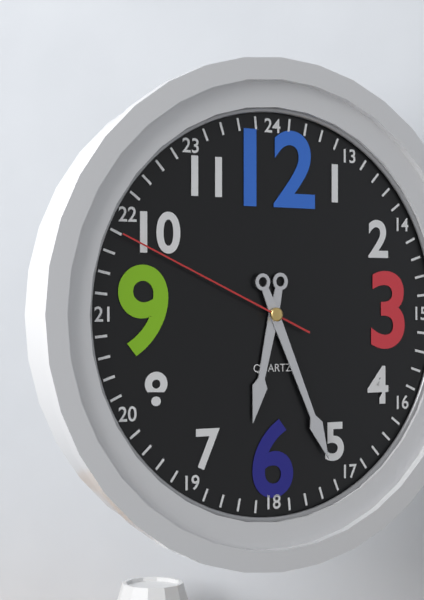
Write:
6,26,49
